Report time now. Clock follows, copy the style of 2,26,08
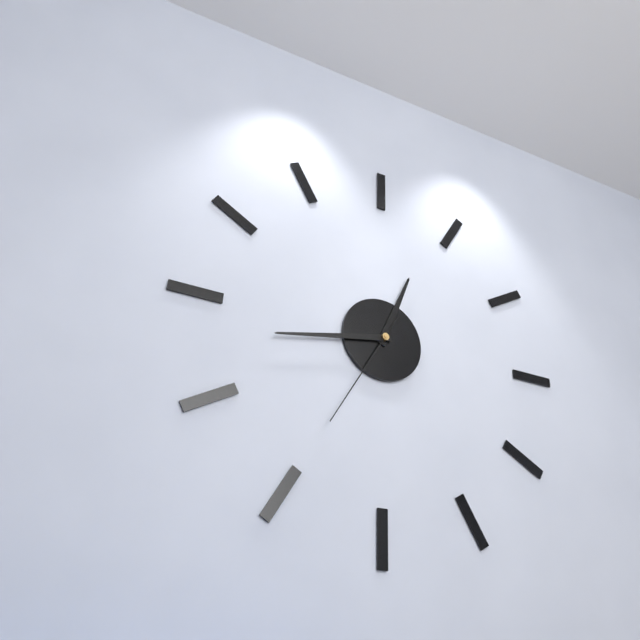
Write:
12,43,35
